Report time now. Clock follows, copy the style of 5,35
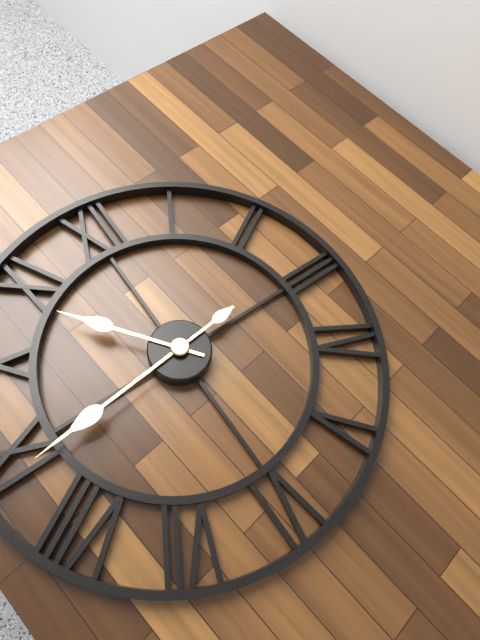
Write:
10,44
